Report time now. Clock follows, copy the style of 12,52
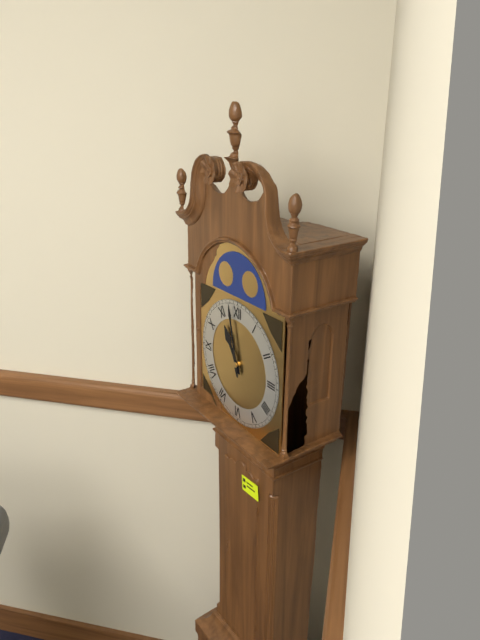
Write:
10,58
